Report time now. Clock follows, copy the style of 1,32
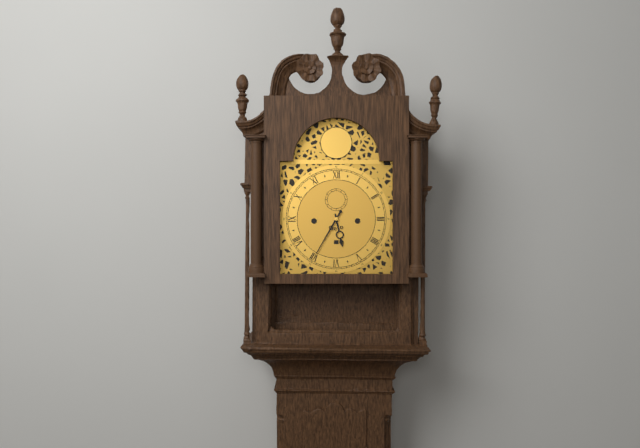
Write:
5,35
